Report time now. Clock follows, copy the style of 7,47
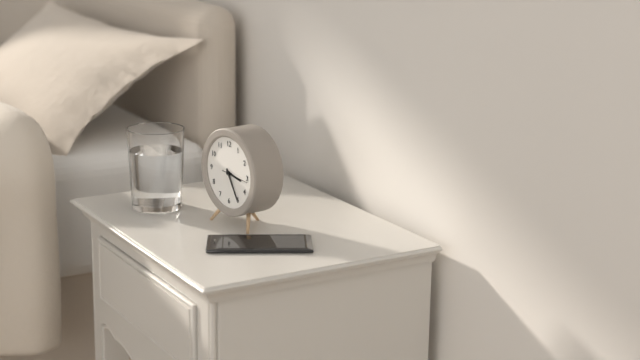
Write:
3,25
